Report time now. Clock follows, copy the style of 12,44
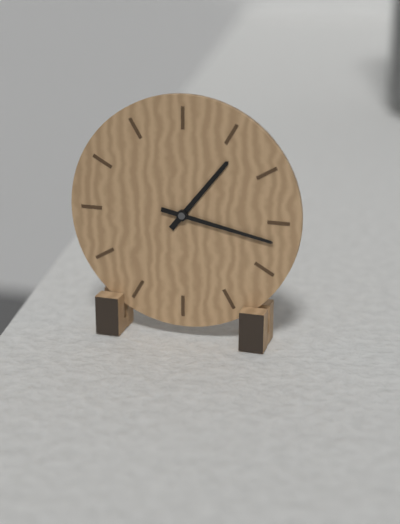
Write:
1,17
